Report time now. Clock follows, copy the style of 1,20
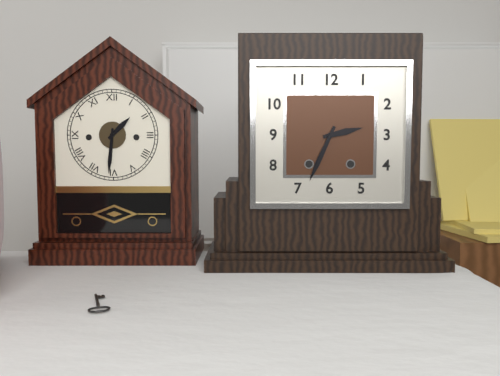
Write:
2,34
